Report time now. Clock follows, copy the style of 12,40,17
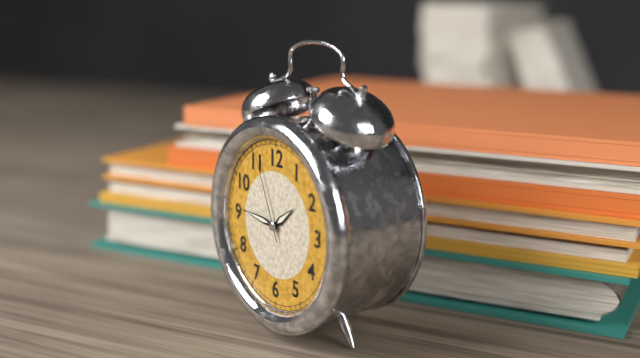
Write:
1,46,56
